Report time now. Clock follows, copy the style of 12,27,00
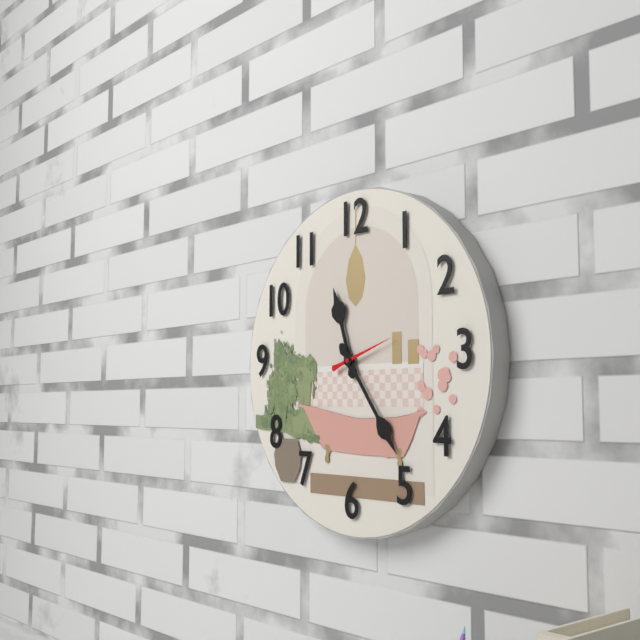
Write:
11,24,12
